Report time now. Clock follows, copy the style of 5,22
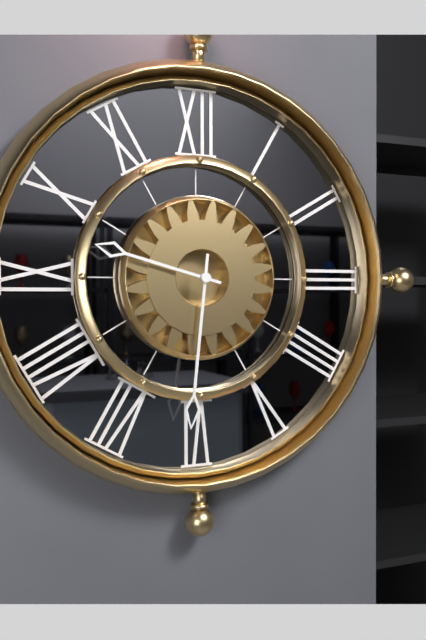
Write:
9,31
